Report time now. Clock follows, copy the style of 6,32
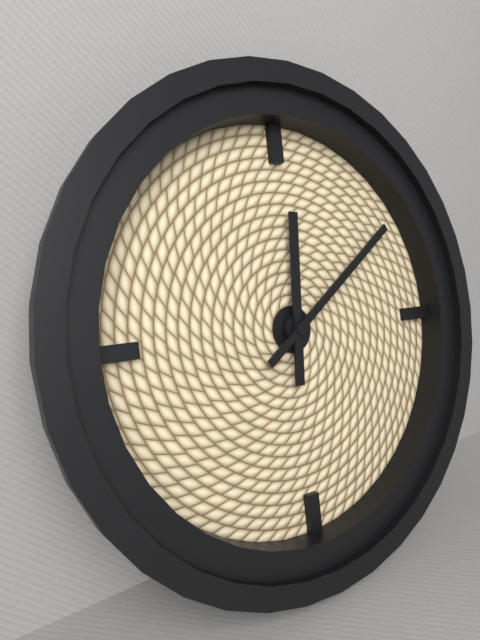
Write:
12,09
